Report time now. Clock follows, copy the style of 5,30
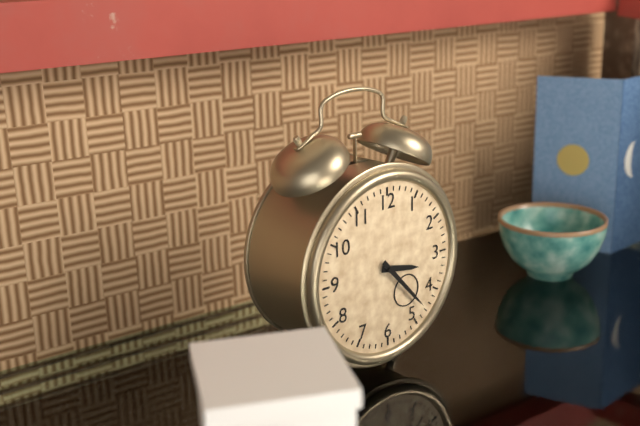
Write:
3,23
